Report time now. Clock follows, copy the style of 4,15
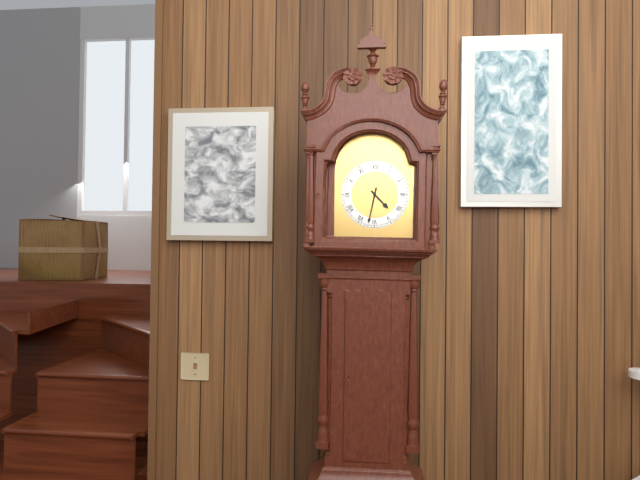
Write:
4,32
